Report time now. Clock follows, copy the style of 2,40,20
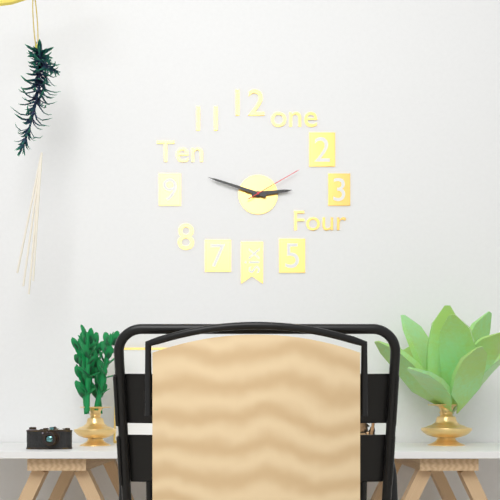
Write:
2,48,10
